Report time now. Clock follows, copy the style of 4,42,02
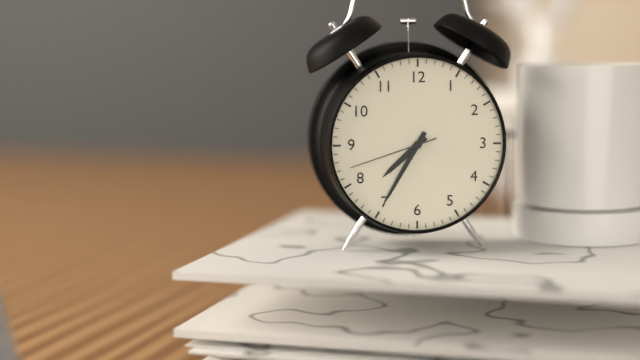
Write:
7,35,42
